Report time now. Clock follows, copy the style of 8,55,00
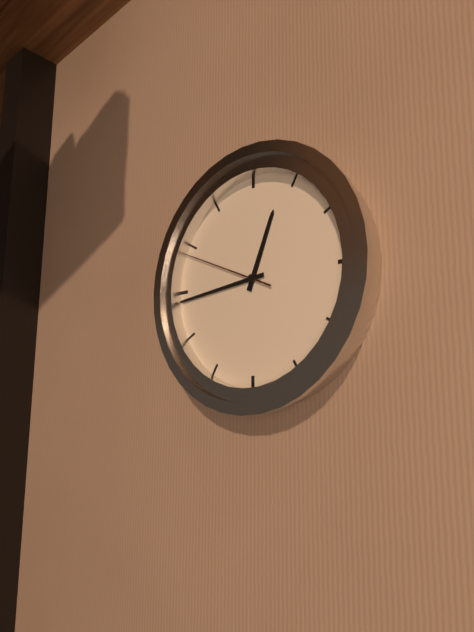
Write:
12,44,49
